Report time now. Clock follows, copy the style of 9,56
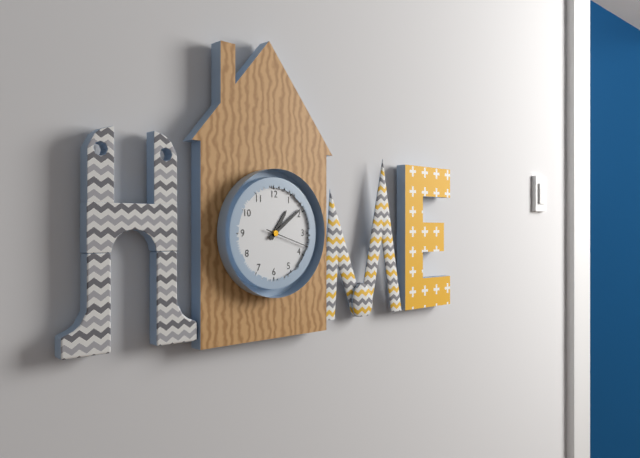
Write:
1,09
